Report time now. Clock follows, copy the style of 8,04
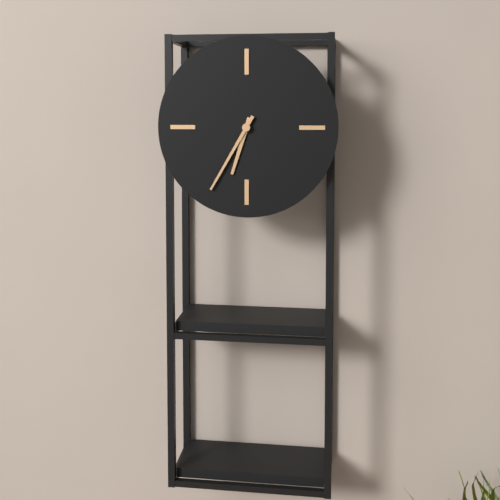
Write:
6,35
